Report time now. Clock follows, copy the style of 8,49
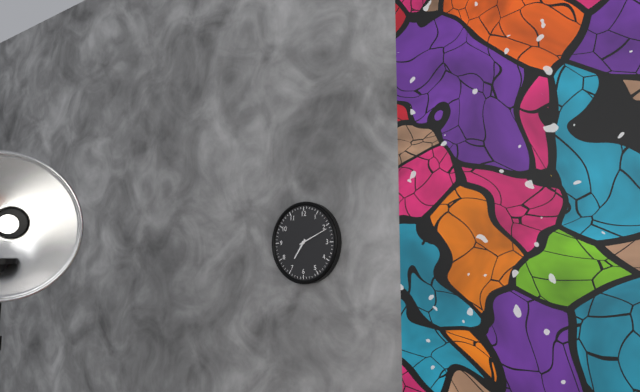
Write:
7,11
